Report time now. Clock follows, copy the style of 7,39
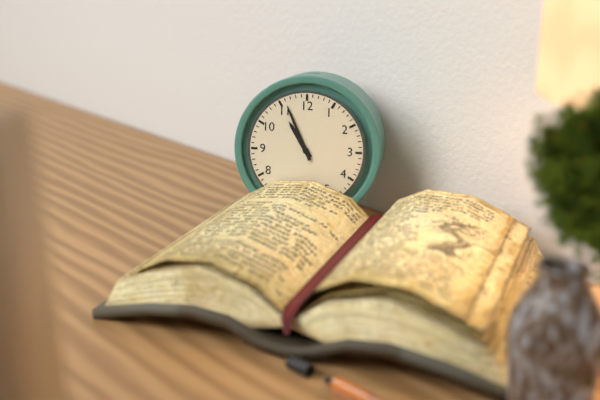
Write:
10,56
